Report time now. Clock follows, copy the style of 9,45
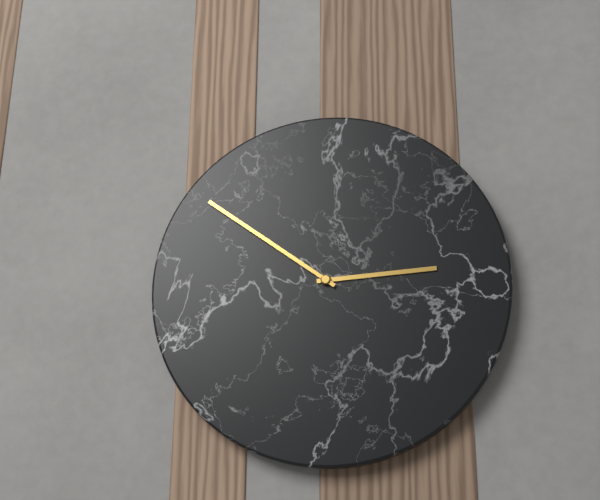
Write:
2,51
